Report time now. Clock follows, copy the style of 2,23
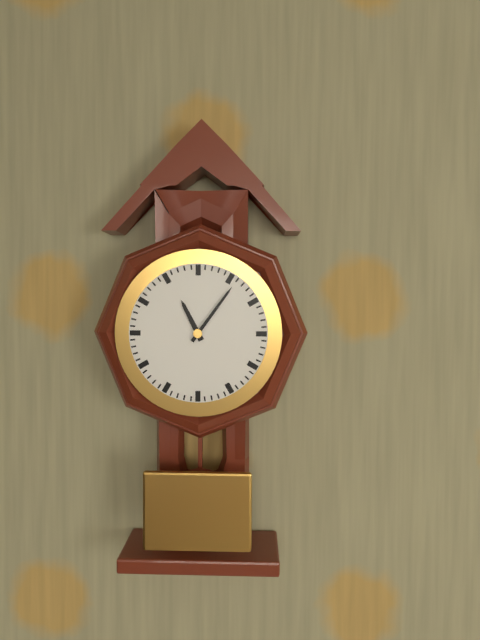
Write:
11,06
